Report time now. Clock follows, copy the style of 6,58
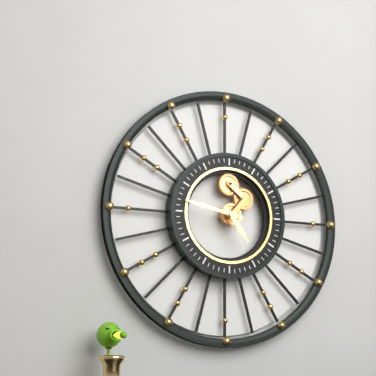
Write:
4,47
